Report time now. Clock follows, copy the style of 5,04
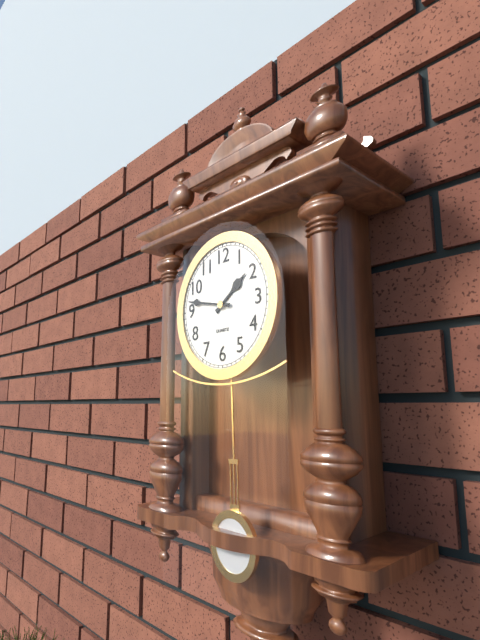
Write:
1,47
